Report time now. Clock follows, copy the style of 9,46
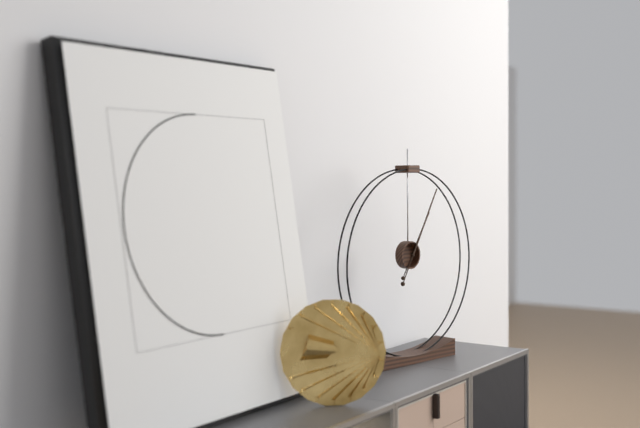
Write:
1,05
